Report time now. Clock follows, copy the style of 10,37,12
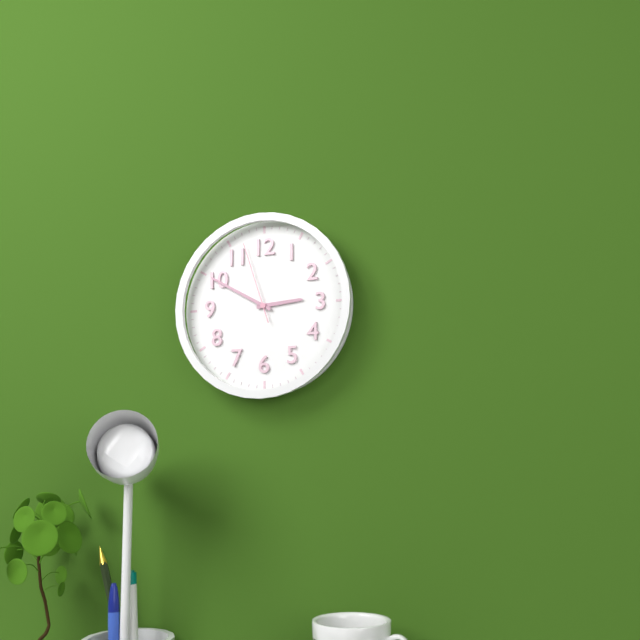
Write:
2,50,57
